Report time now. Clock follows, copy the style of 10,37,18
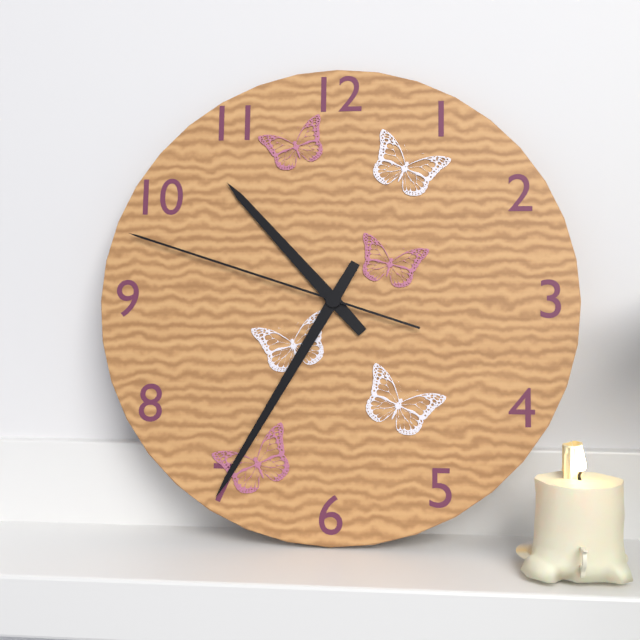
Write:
10,35,48
